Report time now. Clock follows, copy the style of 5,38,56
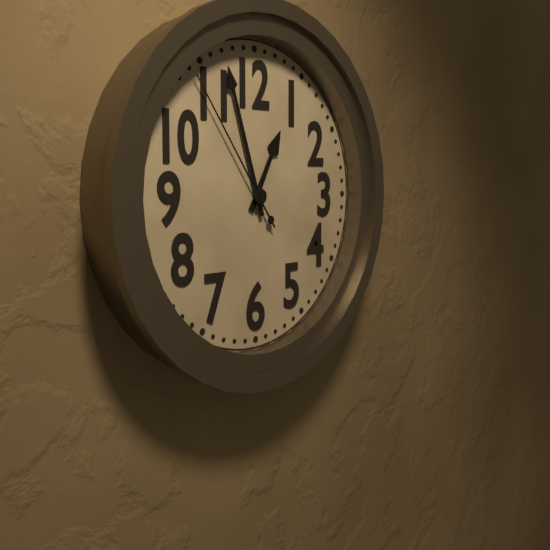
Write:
12,57,54
